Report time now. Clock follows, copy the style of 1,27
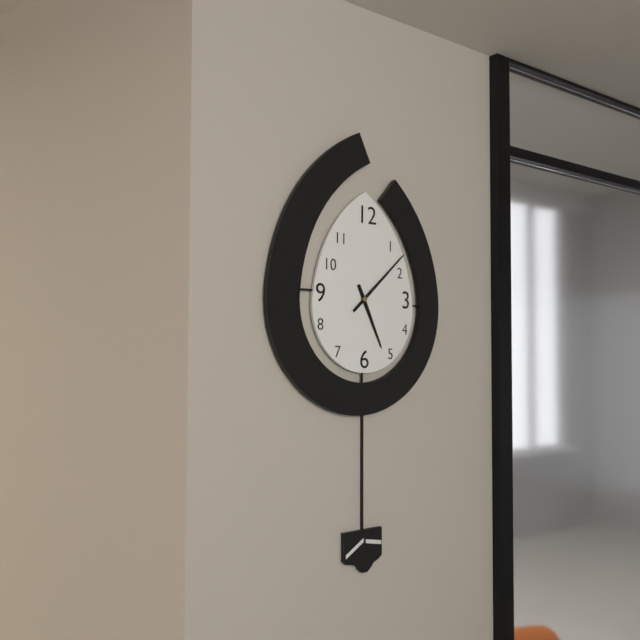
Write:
5,08
